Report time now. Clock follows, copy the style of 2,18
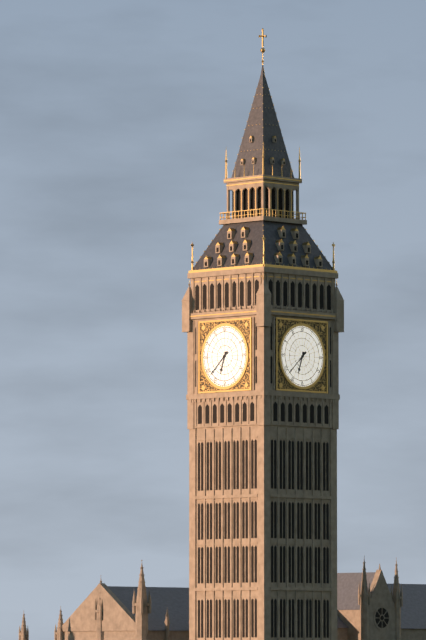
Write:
6,38
